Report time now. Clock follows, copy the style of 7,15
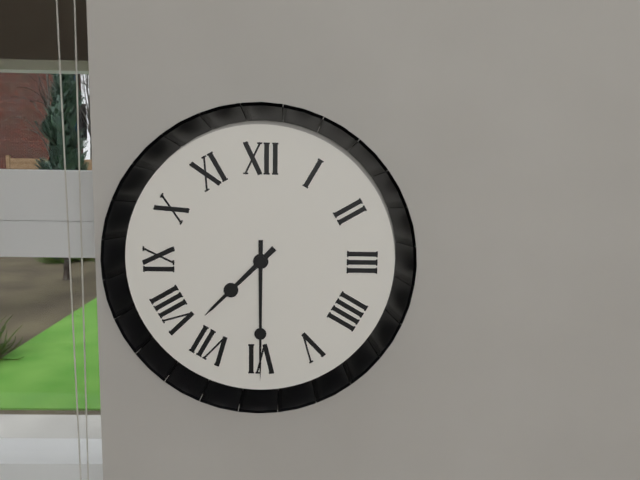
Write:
7,30
